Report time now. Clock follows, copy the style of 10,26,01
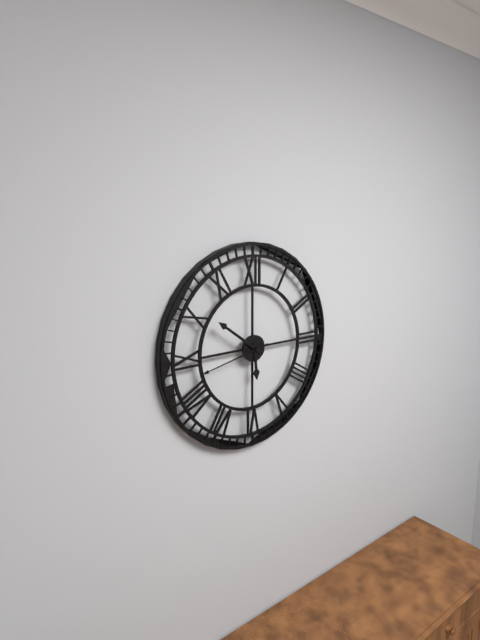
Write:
5,51,43
